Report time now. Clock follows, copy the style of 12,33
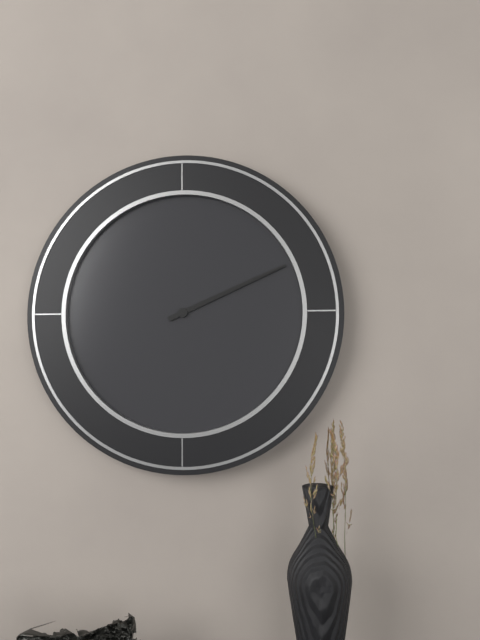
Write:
2,11
